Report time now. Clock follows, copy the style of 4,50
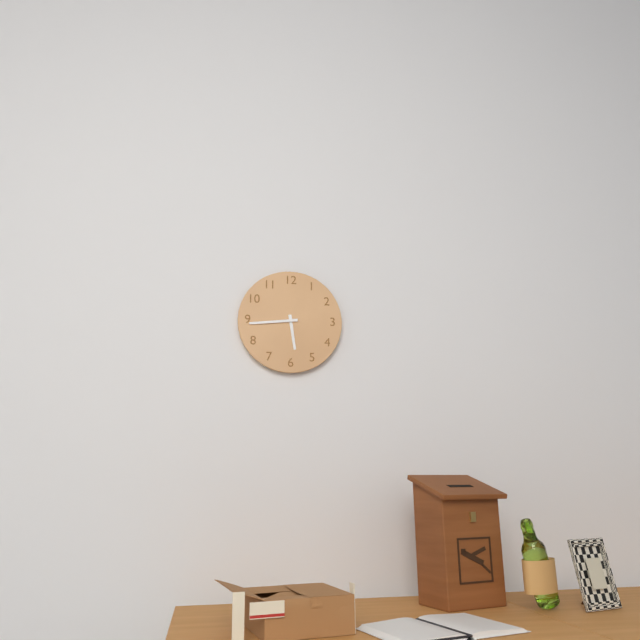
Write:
5,44
